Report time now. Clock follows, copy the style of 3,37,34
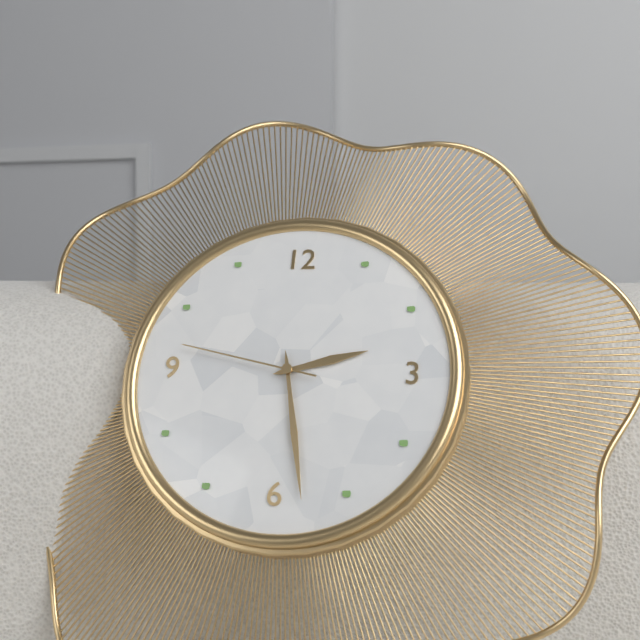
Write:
2,28,47
